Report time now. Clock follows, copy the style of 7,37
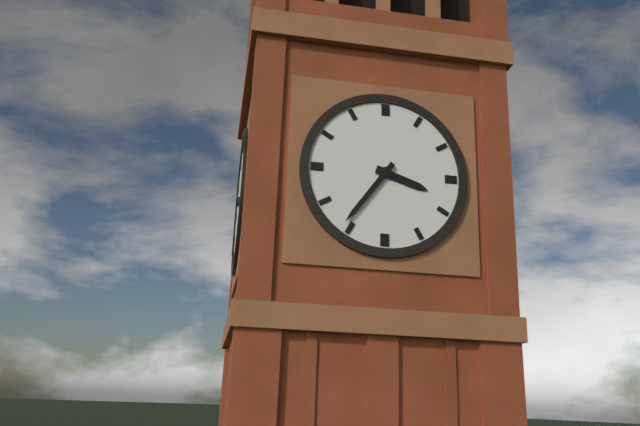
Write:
3,36
